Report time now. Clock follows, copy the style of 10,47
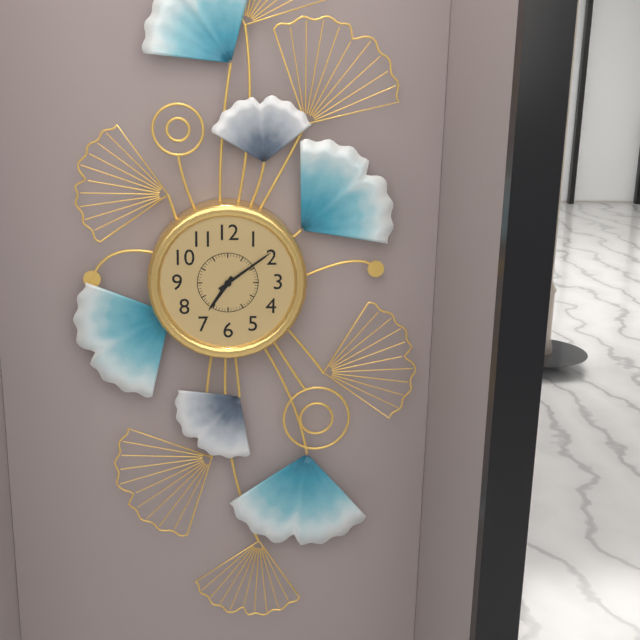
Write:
7,09
